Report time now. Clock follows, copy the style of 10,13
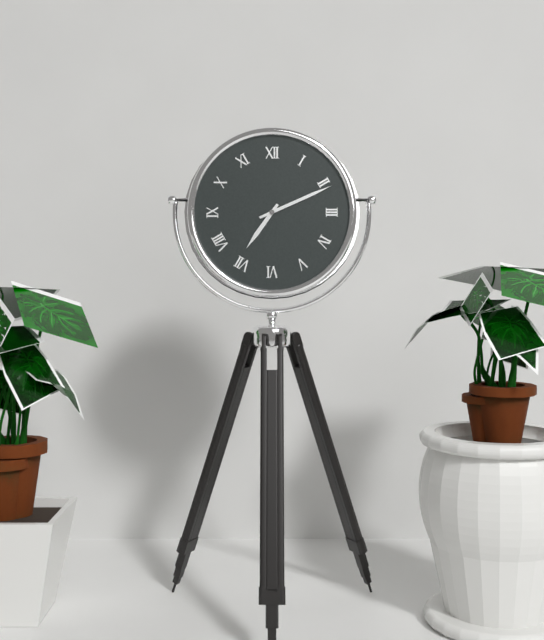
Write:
7,11
